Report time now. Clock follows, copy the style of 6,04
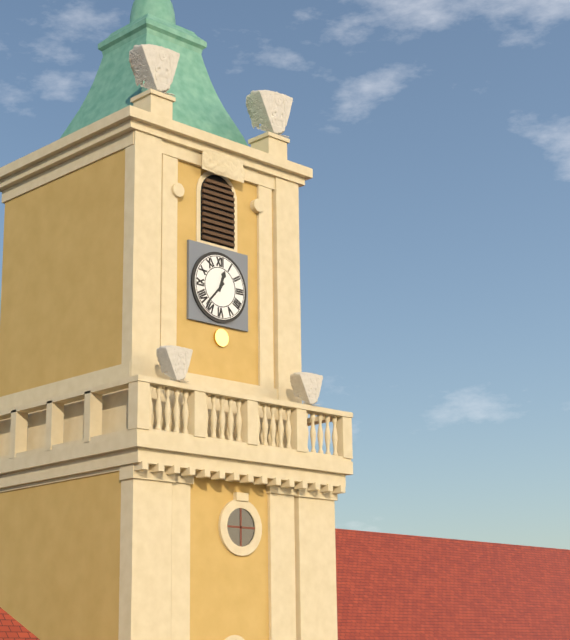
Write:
12,37
